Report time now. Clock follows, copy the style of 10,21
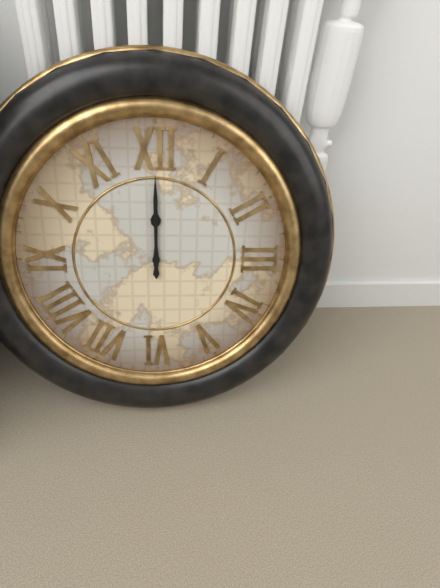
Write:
12,00
